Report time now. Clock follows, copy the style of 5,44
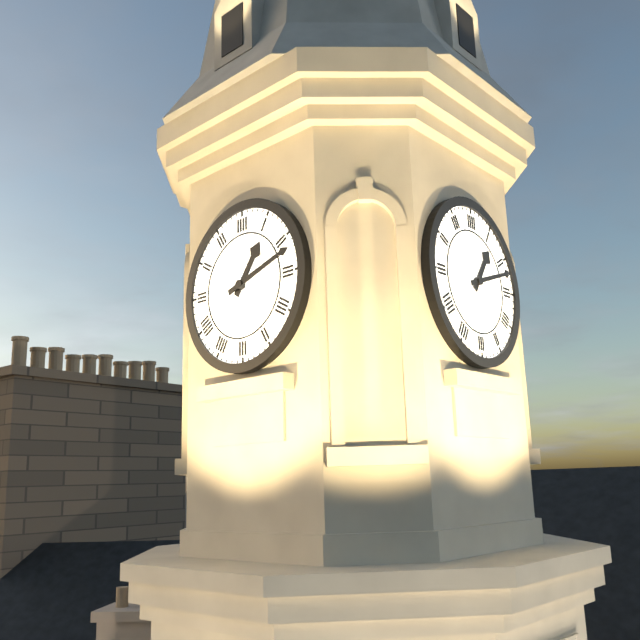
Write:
1,12
